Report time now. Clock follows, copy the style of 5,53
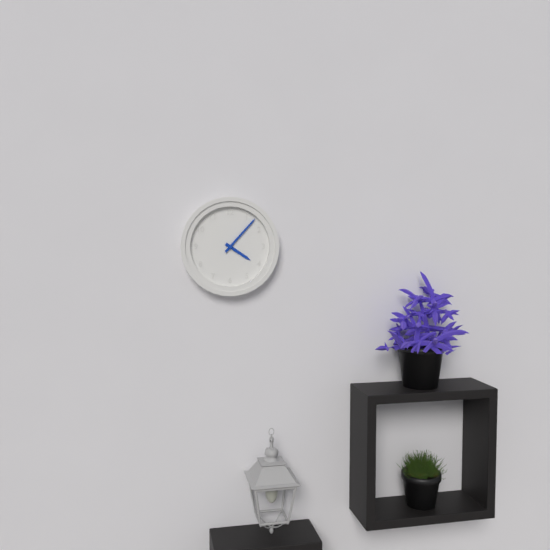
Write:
4,07
